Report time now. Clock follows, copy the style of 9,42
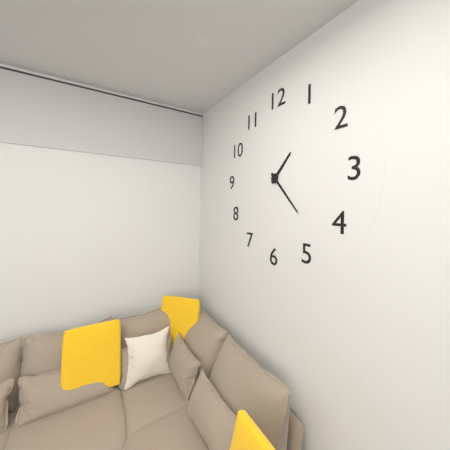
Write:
1,23
